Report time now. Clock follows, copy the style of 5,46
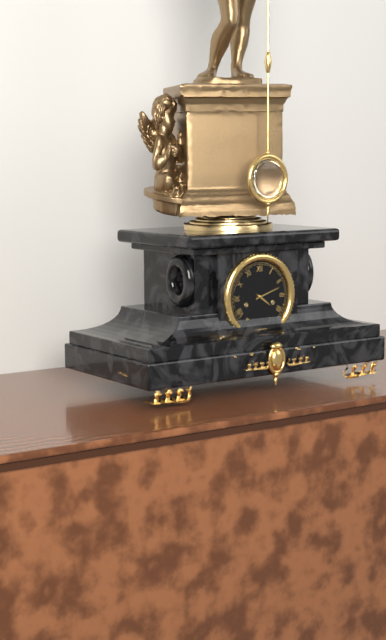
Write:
4,12
